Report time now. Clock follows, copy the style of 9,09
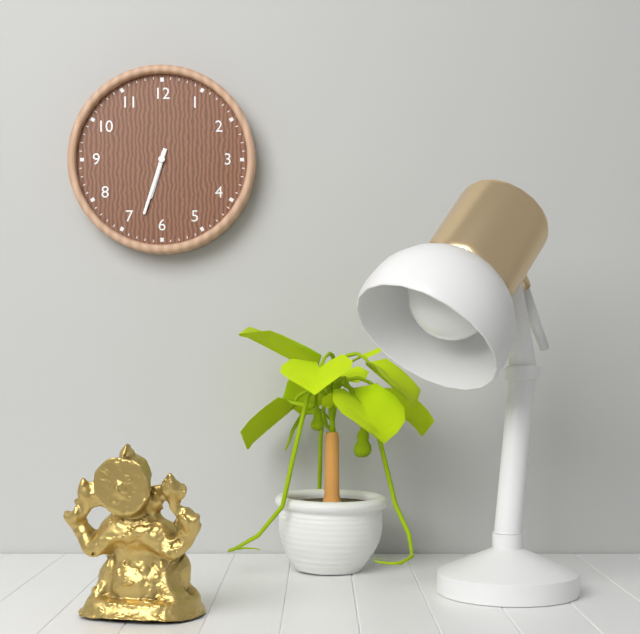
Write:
6,33
